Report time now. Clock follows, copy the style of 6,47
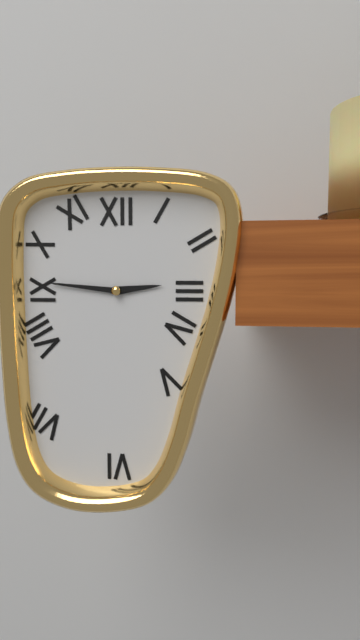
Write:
2,46
